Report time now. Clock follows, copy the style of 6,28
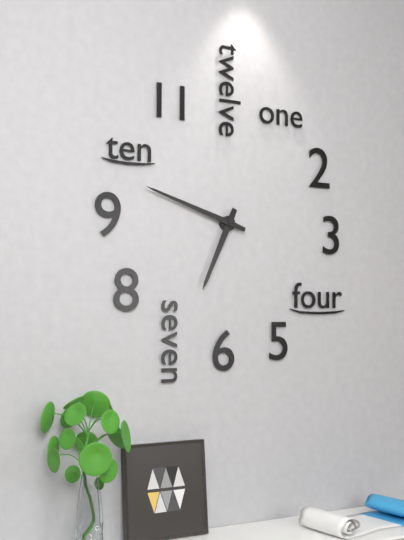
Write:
6,48
